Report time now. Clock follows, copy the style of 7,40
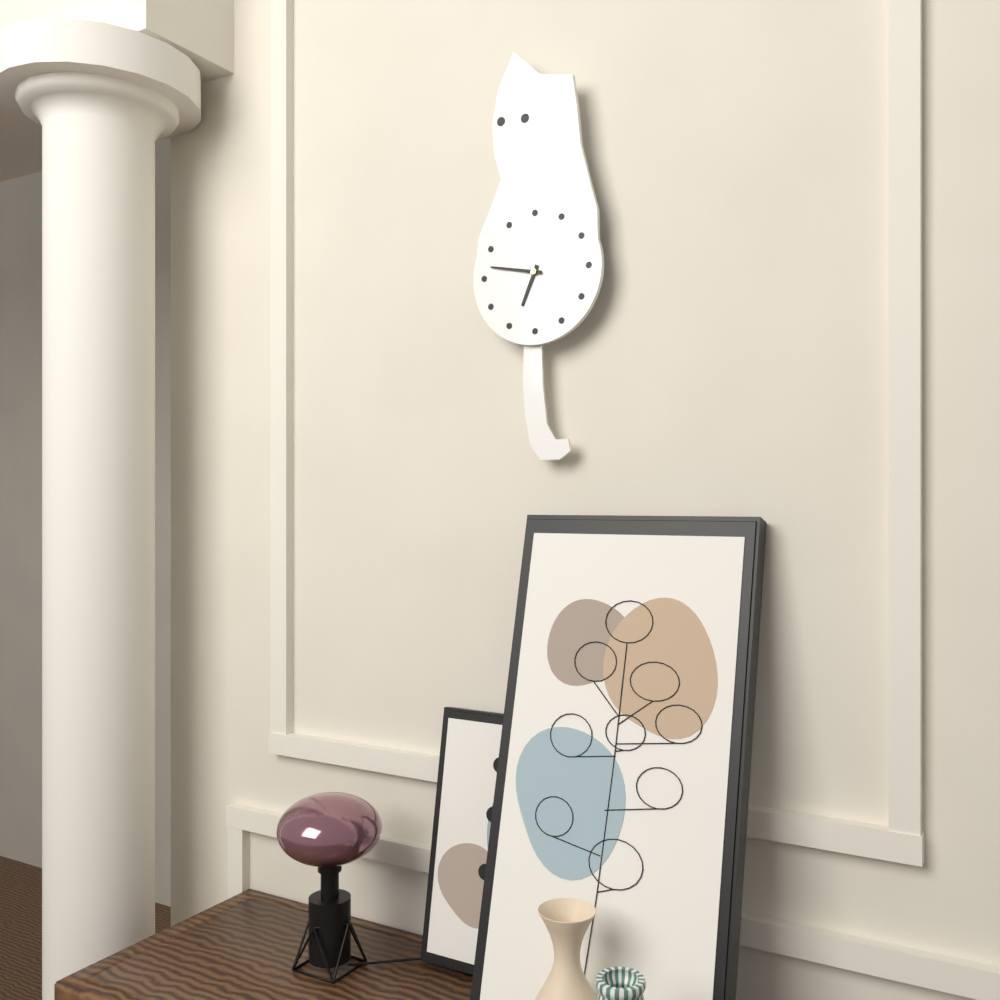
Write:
6,47
